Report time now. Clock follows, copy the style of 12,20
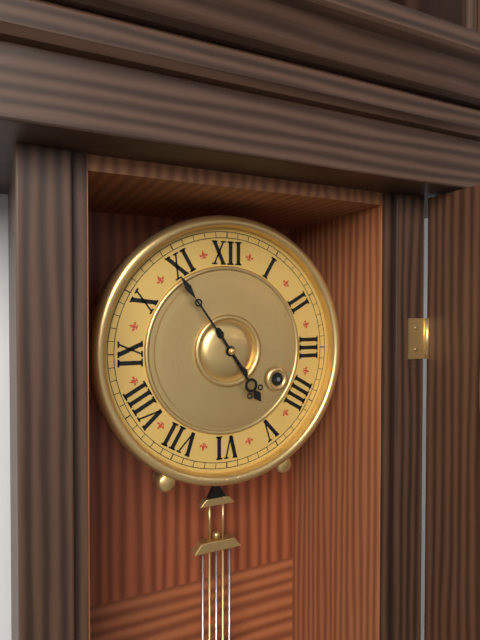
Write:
4,54
